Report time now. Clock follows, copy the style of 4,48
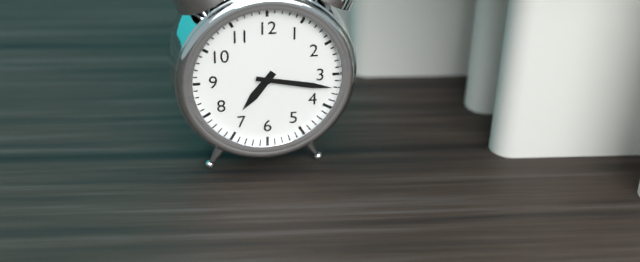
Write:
7,17
